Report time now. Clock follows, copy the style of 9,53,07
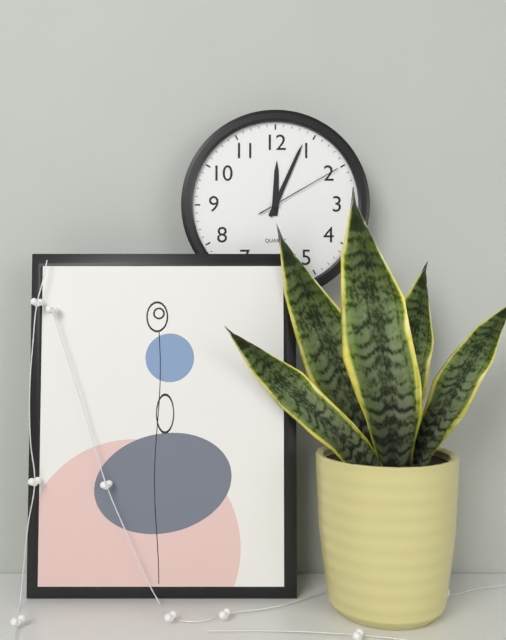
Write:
12,04,10
